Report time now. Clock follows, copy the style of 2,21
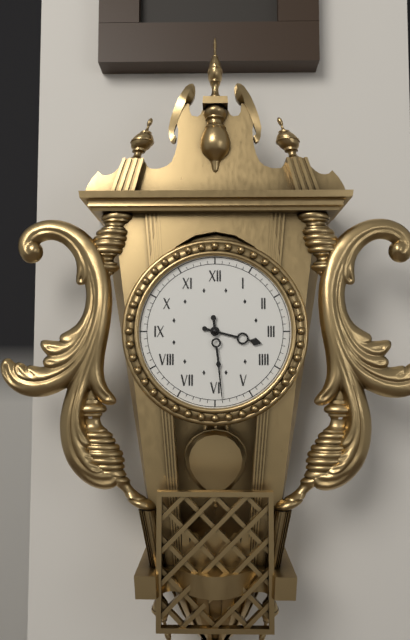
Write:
3,29
